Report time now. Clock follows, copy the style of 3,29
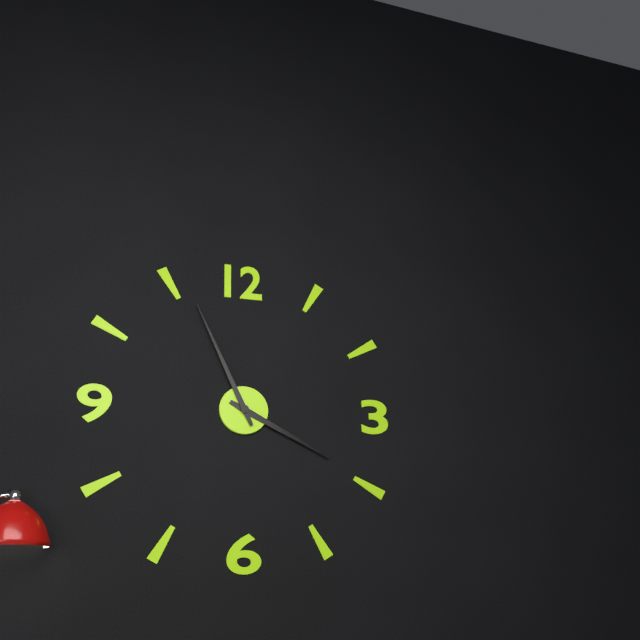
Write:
3,56
